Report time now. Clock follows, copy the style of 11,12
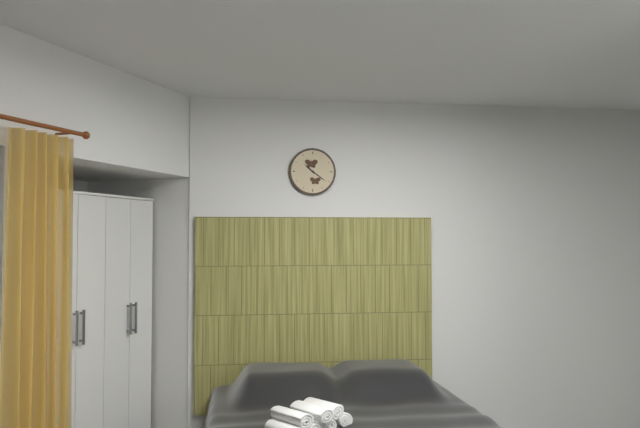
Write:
10,21
